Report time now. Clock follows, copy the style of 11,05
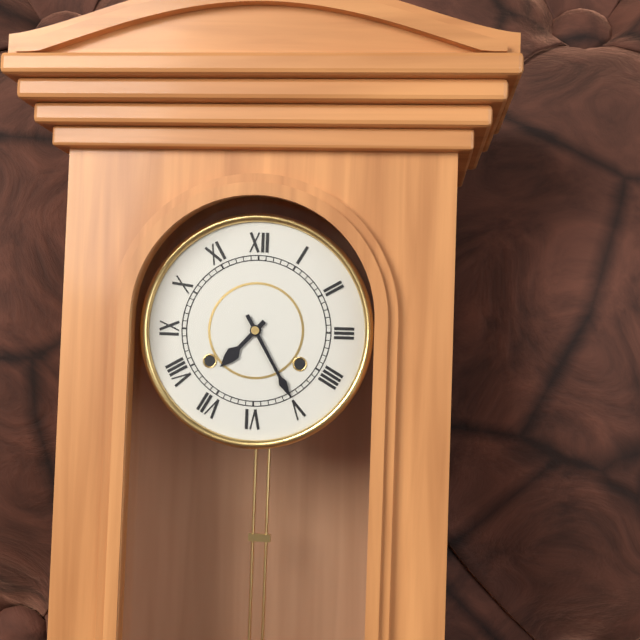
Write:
7,25
